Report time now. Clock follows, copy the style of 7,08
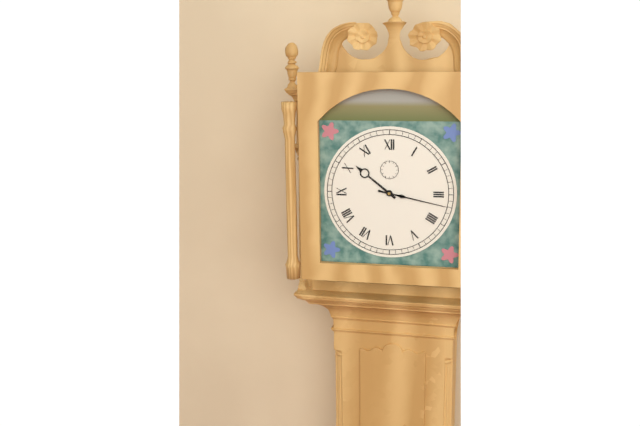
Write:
10,17
